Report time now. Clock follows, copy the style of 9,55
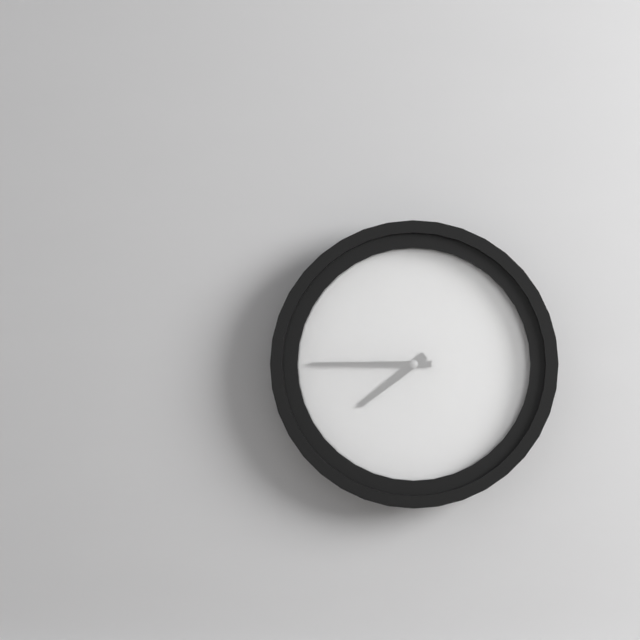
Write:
7,45
